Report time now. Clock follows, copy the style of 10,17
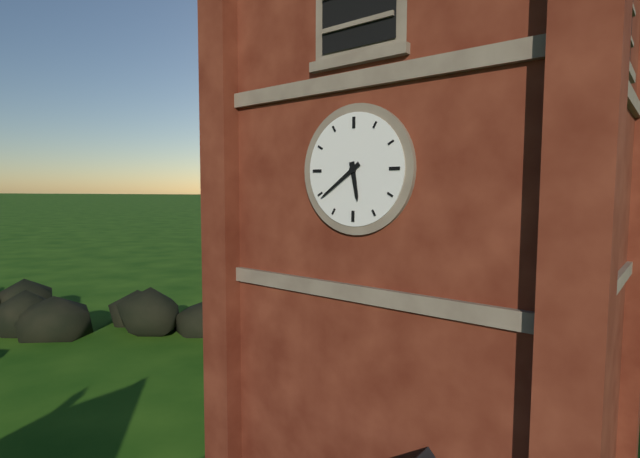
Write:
5,39
